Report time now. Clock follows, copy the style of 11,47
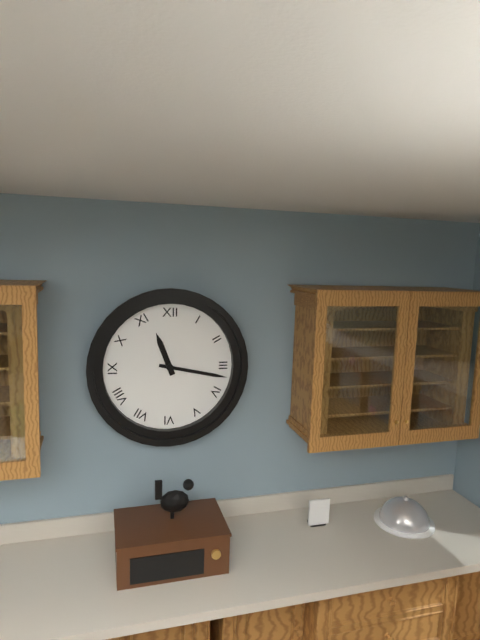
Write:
11,17
